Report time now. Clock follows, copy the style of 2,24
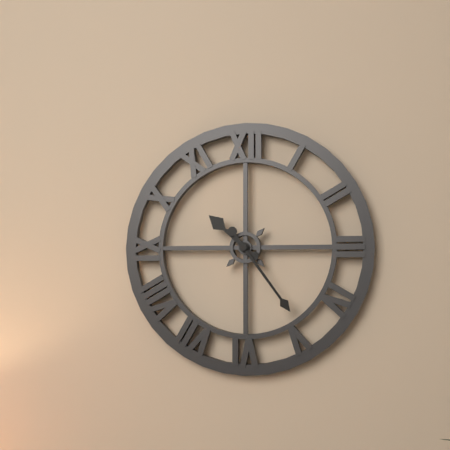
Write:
10,24
